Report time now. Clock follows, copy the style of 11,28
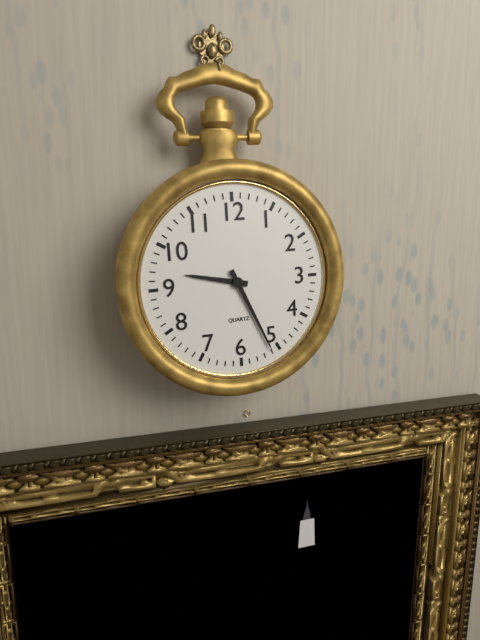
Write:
9,26
